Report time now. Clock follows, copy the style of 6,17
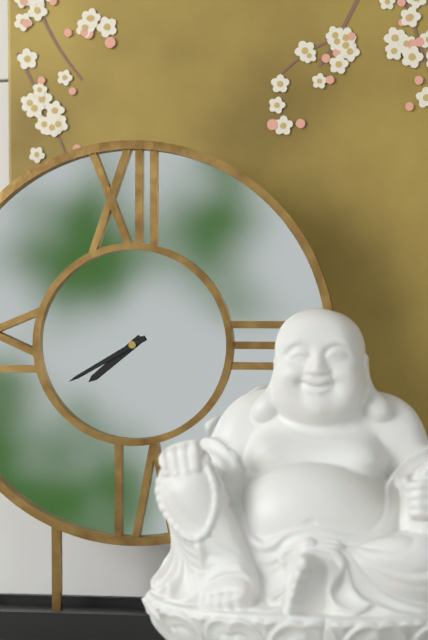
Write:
7,40
